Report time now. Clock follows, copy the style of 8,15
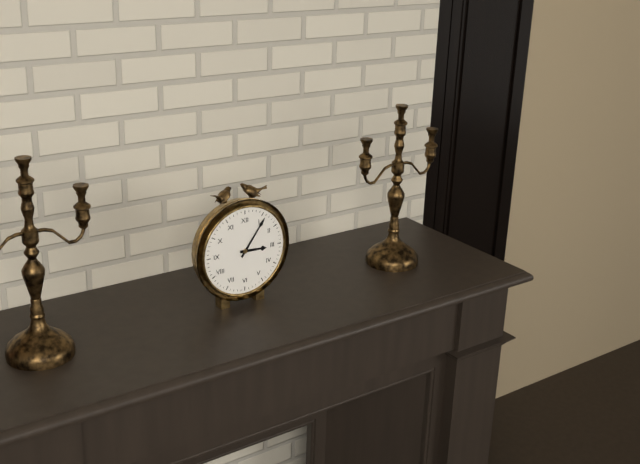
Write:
3,06
